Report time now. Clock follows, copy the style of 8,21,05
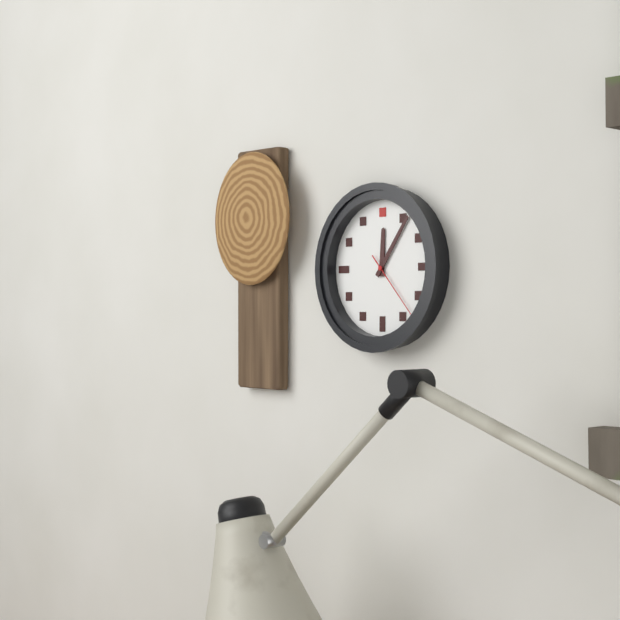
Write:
12,06,23
